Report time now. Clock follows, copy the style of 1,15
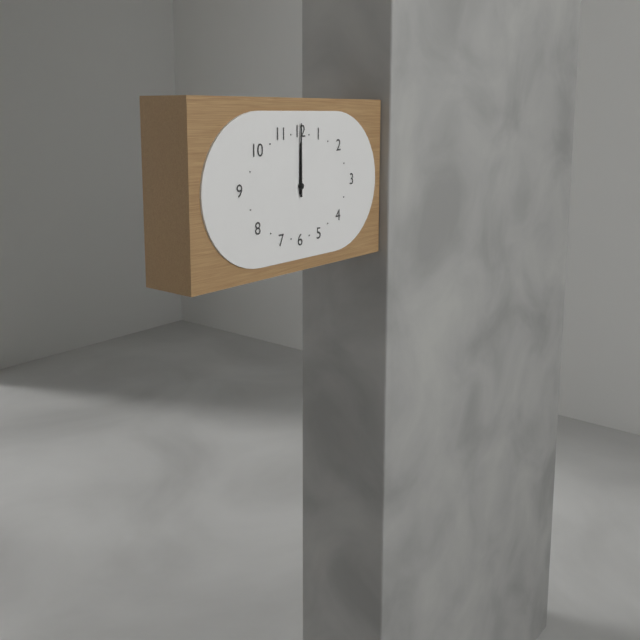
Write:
12,00
